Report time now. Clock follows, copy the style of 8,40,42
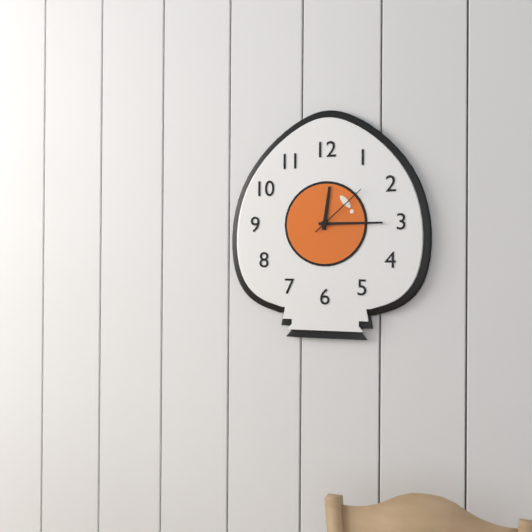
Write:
12,15,08
